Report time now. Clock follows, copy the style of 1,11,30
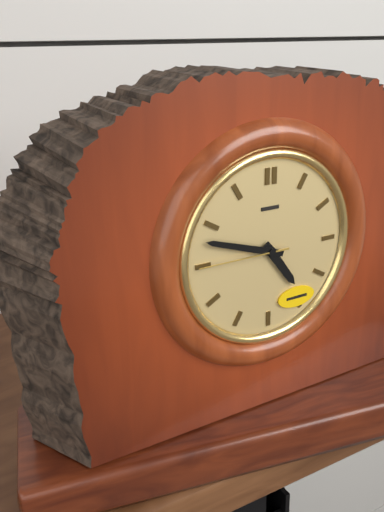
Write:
4,48,45
